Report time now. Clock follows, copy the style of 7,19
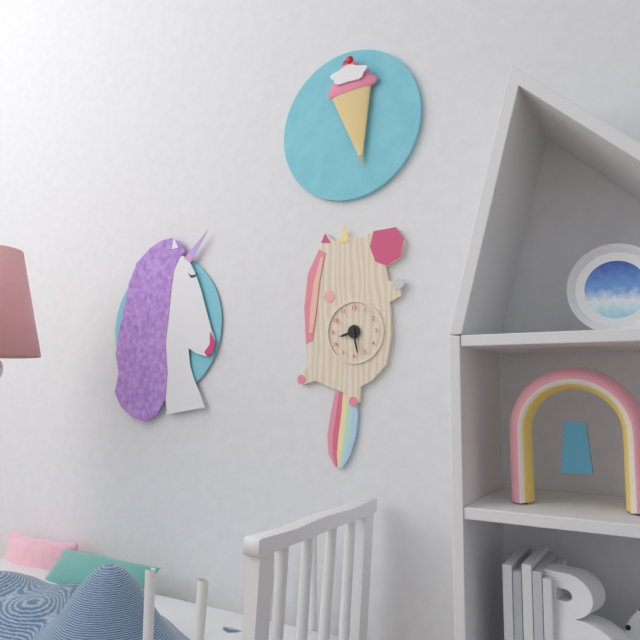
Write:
8,28
